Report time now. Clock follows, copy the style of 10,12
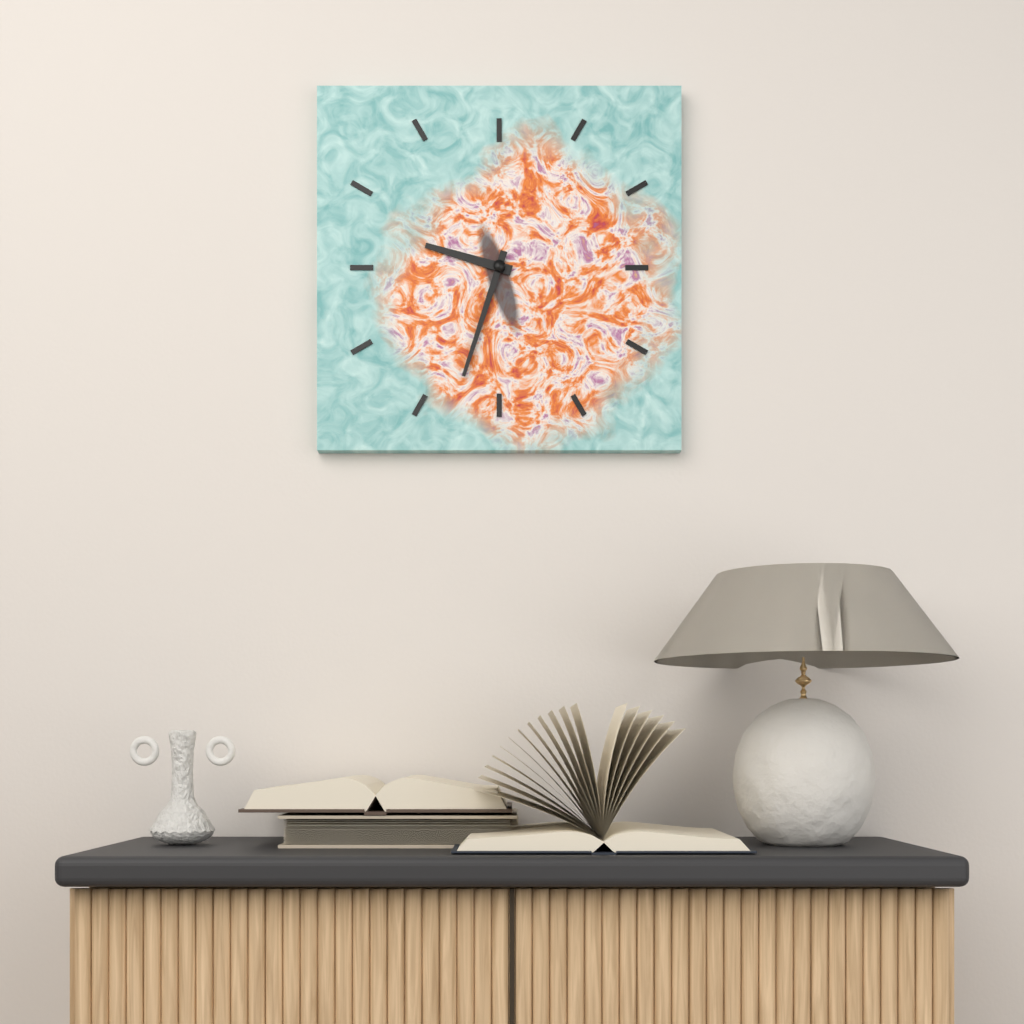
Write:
9,33
